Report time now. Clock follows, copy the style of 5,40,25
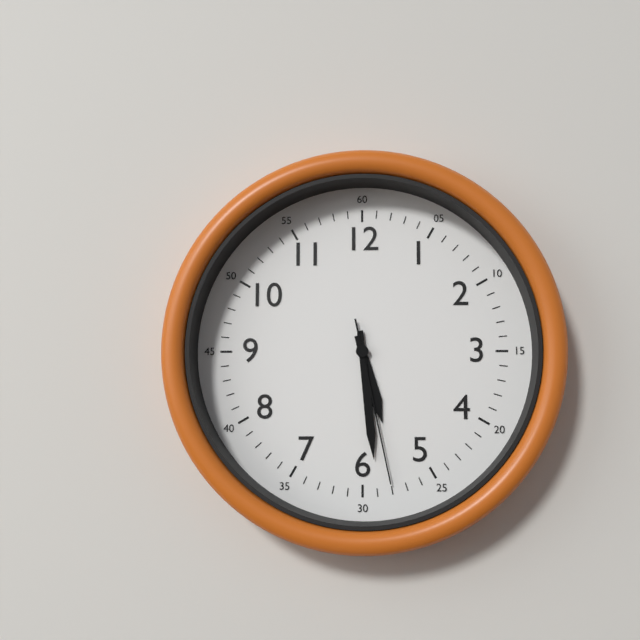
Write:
5,29,28
